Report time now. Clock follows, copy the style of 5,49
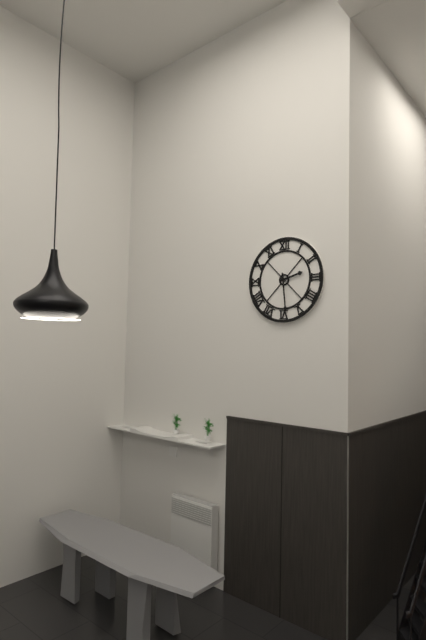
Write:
2,29
